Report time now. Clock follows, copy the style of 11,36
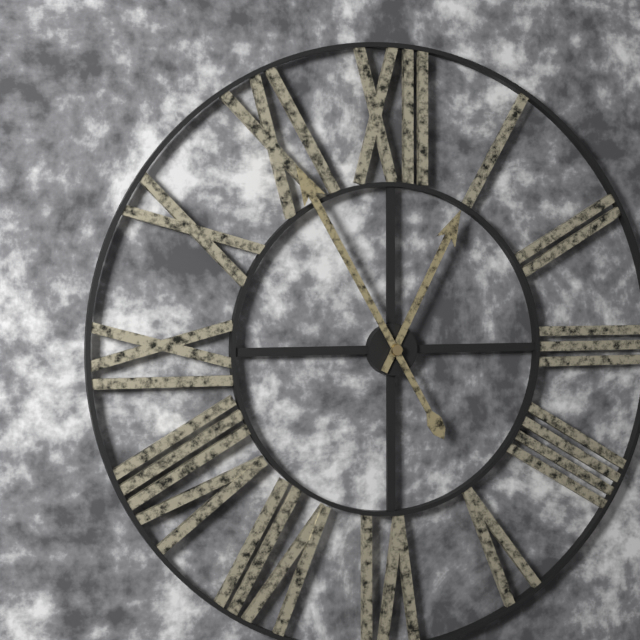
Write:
12,55
